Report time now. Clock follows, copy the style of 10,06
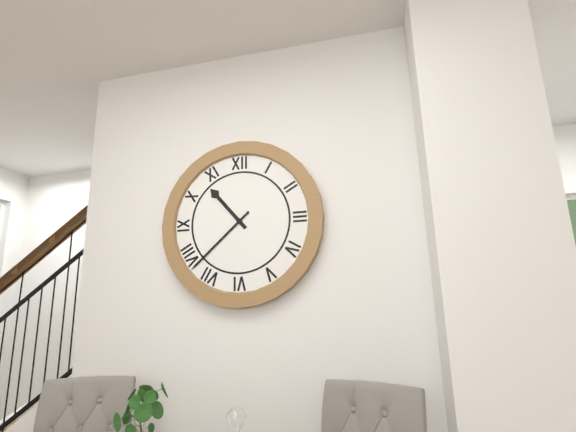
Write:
10,38
